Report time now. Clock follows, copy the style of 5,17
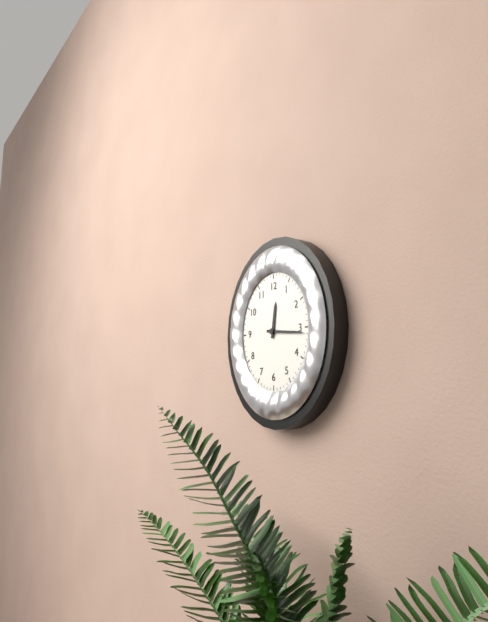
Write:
12,16
